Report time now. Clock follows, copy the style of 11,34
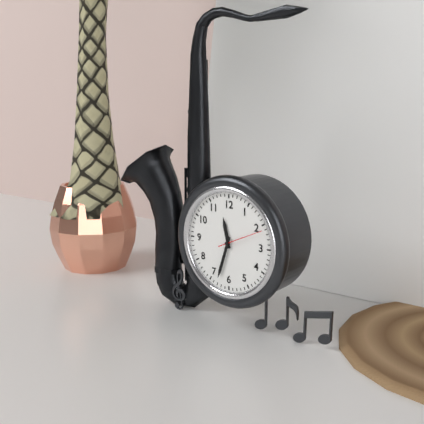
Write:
11,33
